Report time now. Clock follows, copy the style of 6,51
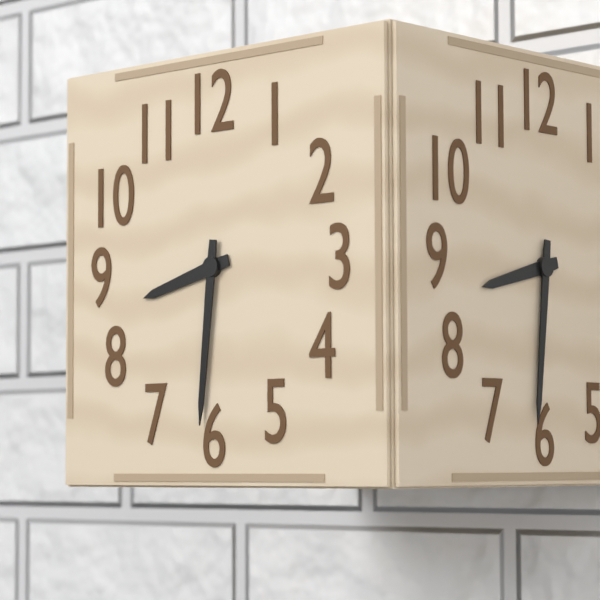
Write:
8,31
